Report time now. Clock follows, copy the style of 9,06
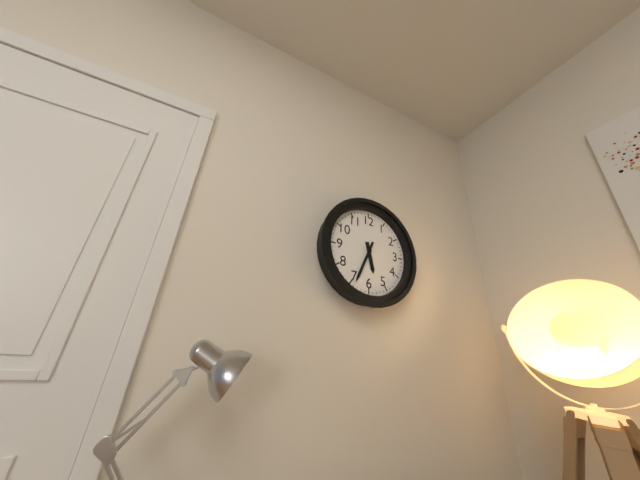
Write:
5,34
